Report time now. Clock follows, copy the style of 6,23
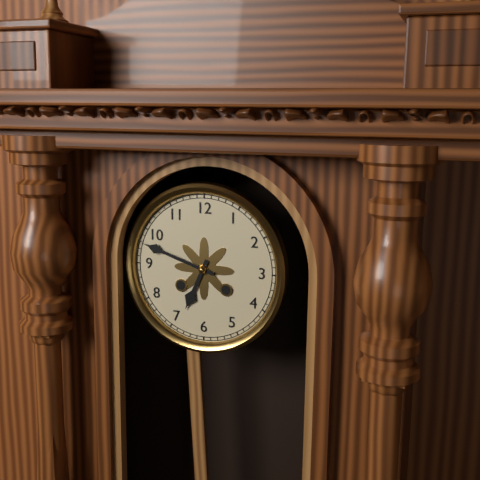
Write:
6,48
